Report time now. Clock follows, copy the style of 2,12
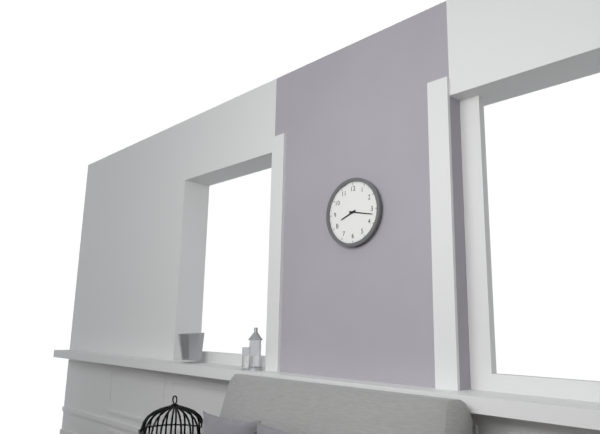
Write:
8,17
